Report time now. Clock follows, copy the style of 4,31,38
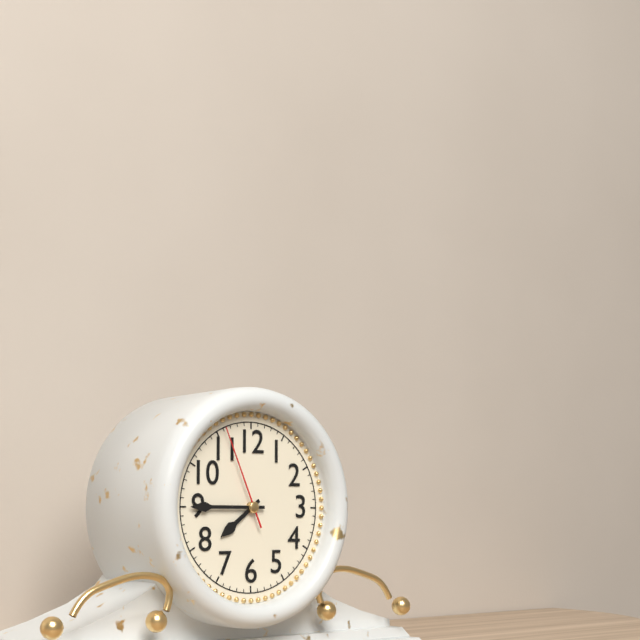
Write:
7,45,56
